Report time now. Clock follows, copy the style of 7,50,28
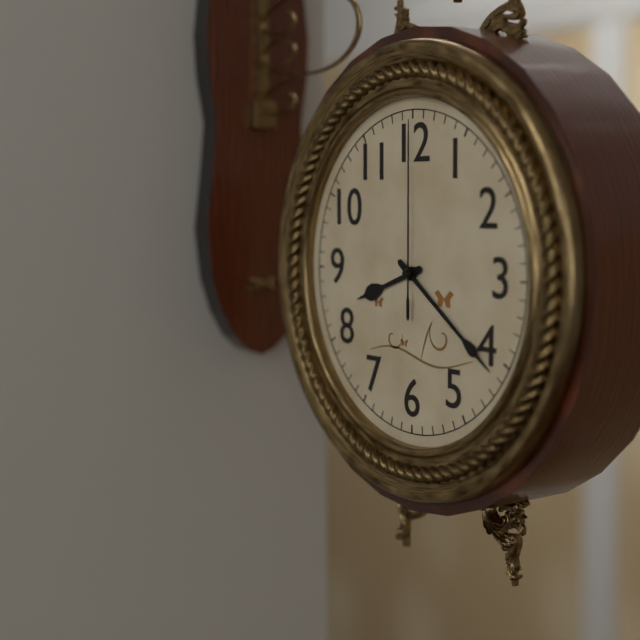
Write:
8,21,00
